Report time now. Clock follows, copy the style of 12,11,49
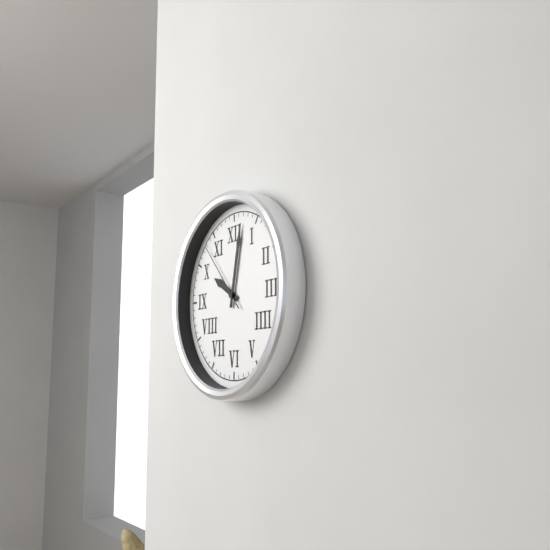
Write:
10,02,53
